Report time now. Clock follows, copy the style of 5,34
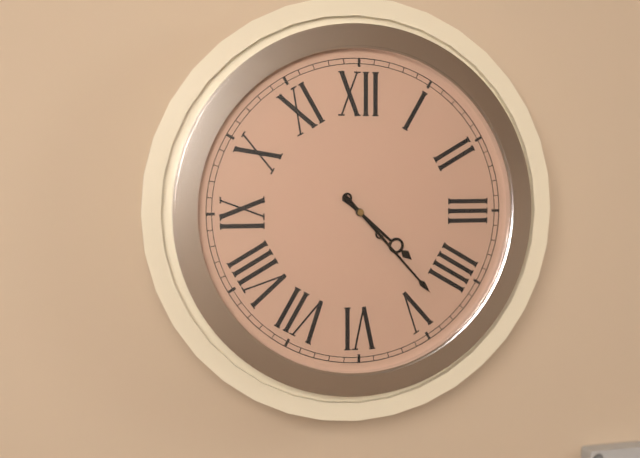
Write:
4,23
